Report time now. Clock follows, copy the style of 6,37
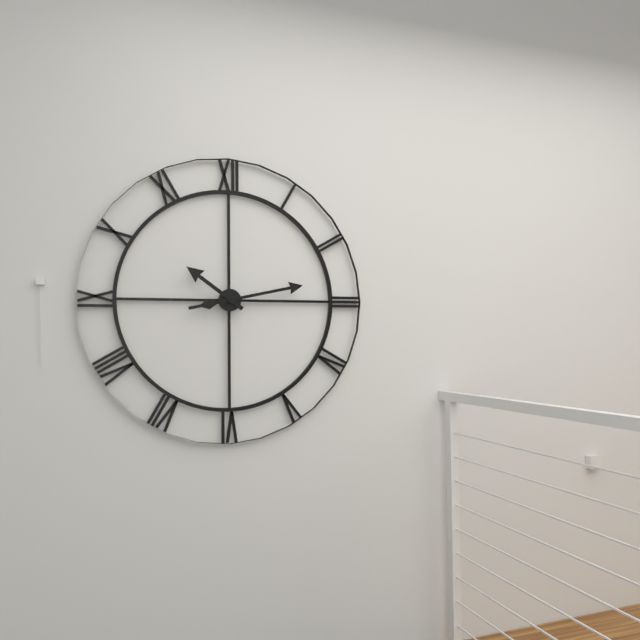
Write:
10,13
